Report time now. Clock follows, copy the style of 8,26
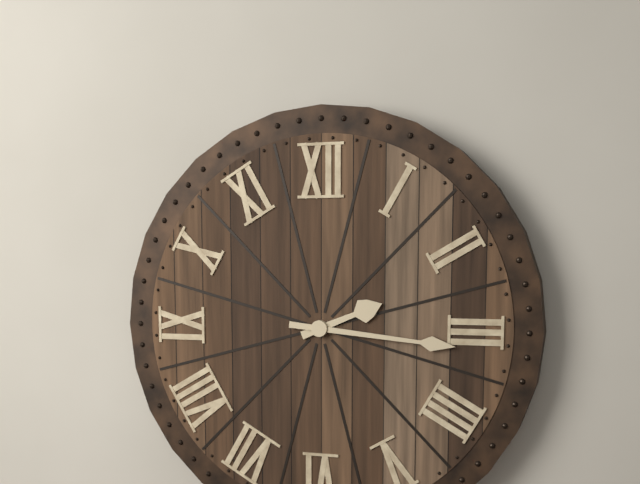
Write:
2,16
